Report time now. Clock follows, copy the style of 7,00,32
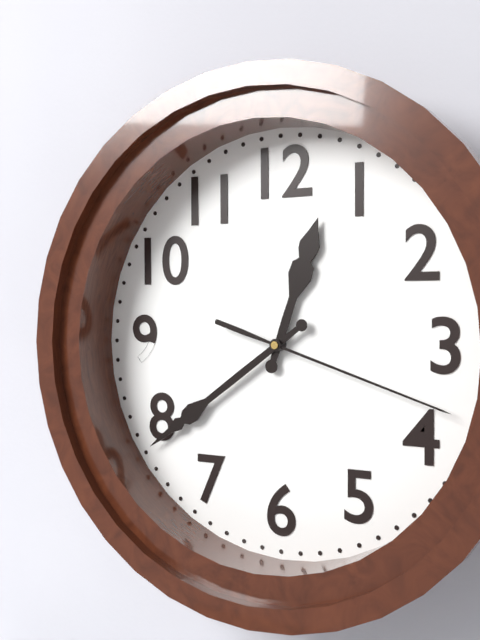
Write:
12,39,18
